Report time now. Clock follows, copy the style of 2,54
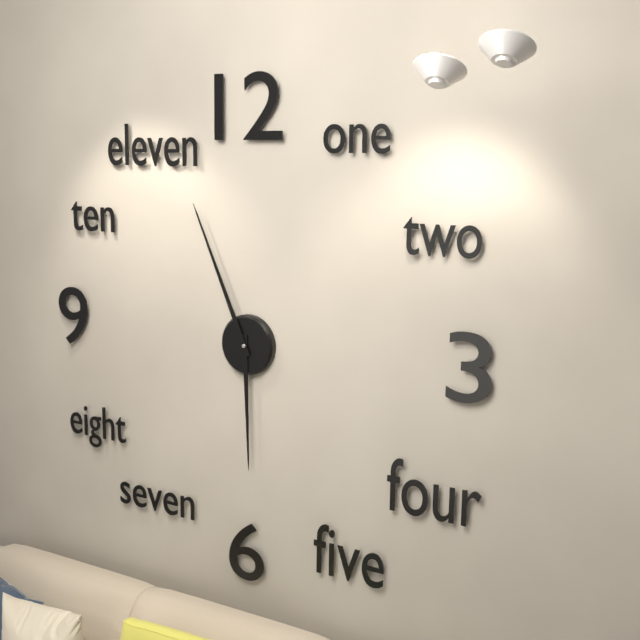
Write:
5,56
